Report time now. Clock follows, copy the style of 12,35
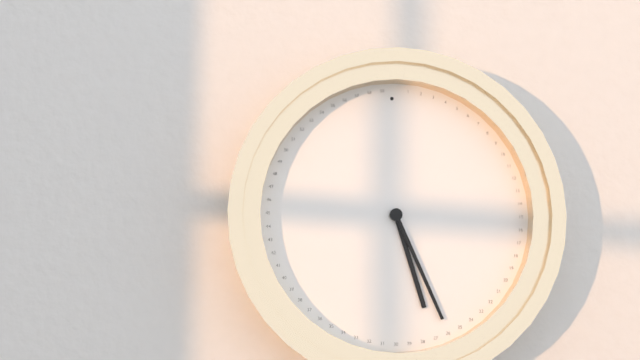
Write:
5,26
